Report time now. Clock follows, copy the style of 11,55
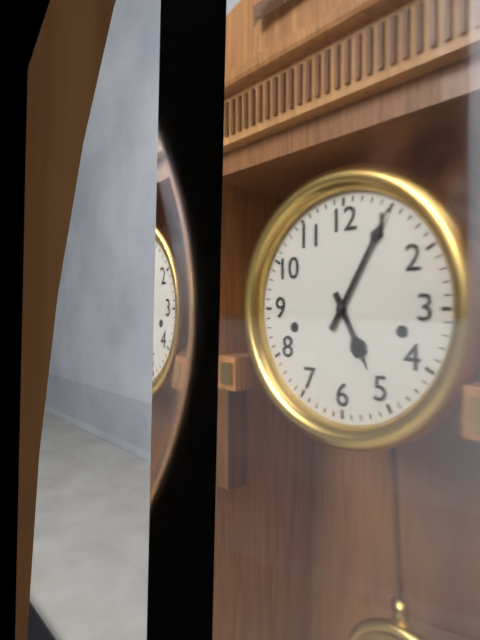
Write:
5,05
